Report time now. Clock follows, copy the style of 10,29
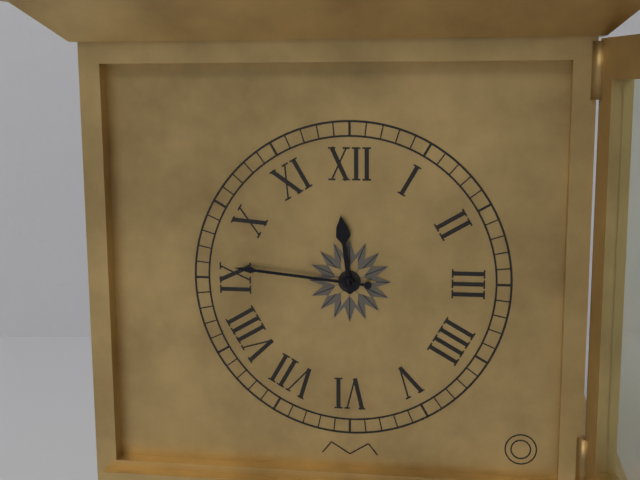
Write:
11,46
